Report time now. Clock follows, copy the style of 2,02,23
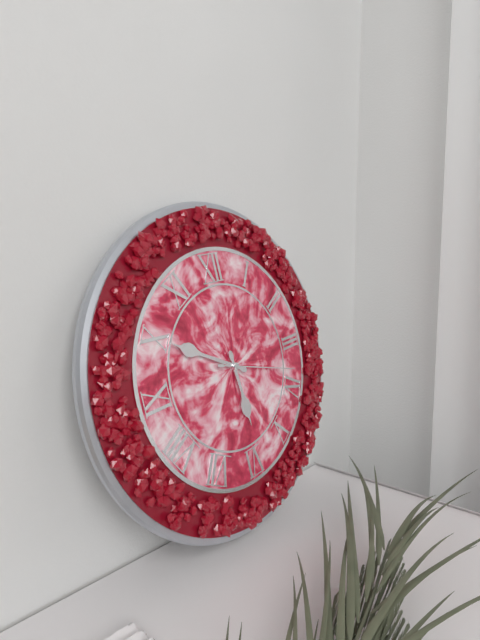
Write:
5,50,18
